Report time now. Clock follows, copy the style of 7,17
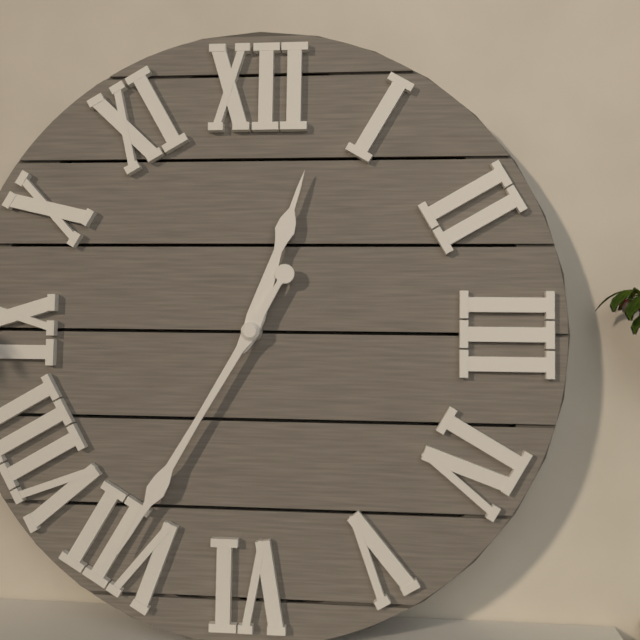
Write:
12,35
